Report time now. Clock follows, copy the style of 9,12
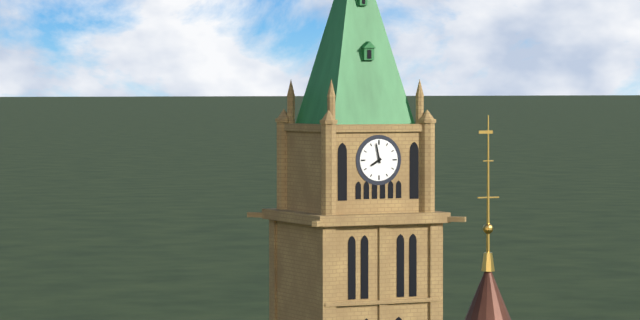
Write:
7,58
